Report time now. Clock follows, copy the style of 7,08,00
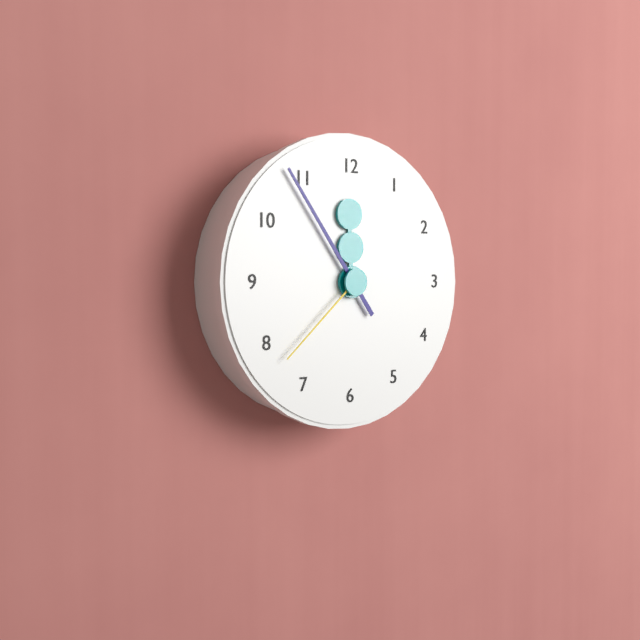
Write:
11,54,38
